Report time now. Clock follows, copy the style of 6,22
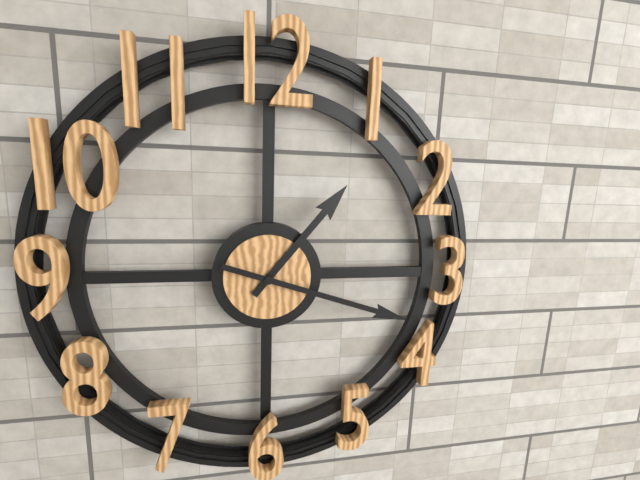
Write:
1,18
